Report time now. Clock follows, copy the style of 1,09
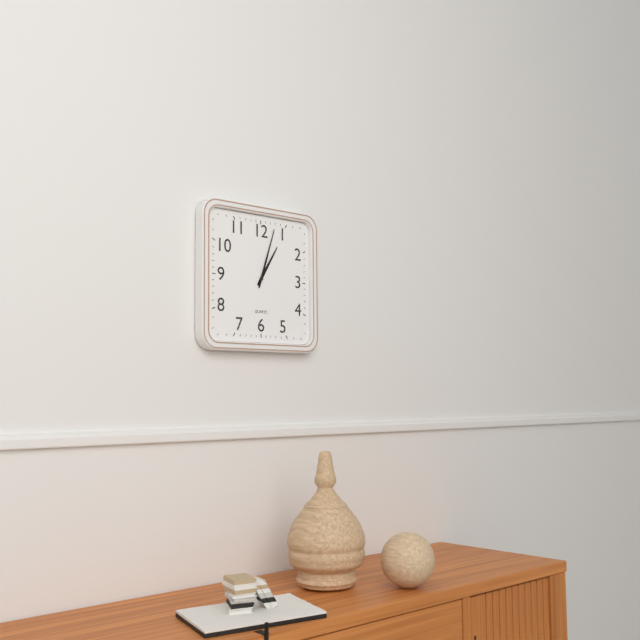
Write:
1,03
